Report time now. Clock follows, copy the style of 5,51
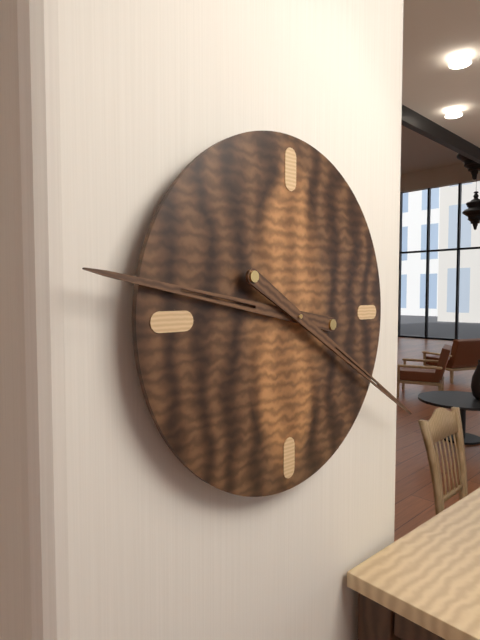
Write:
9,20
